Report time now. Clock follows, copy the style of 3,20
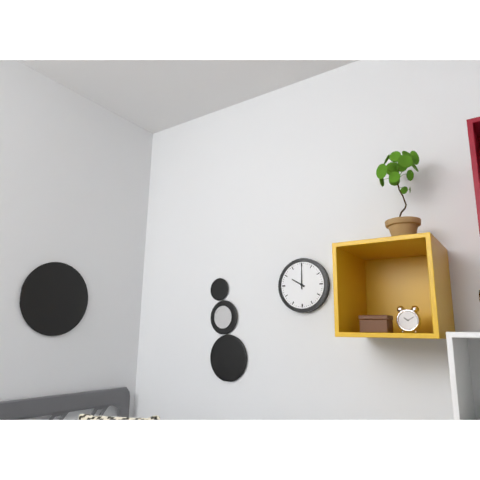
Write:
10,00
